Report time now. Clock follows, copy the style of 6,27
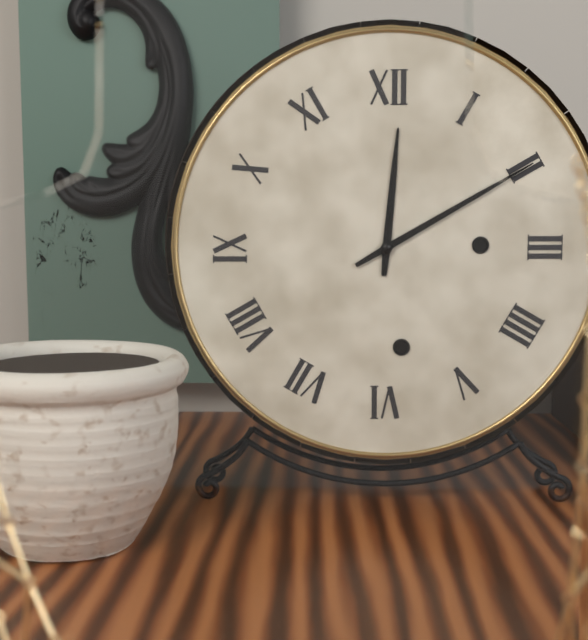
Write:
12,10
